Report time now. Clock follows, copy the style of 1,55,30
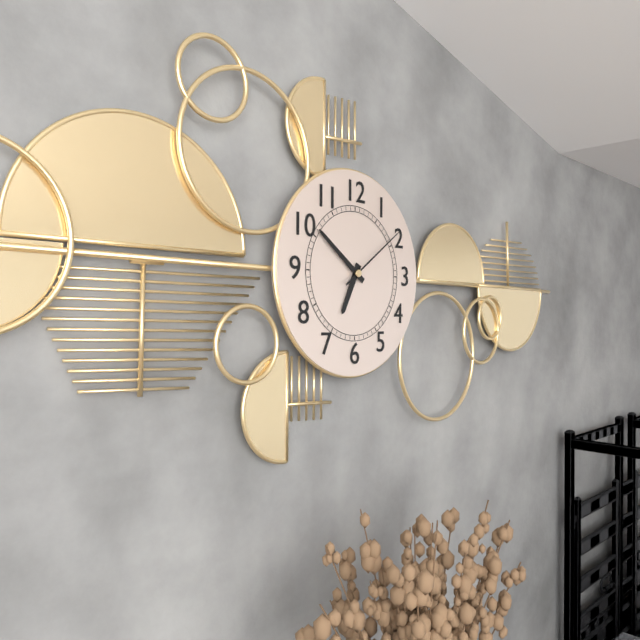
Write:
6,51,09
